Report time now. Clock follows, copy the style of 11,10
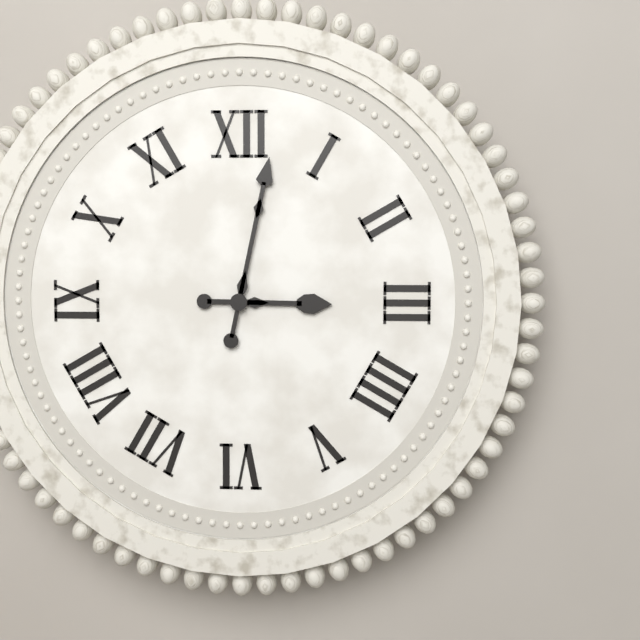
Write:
3,02
